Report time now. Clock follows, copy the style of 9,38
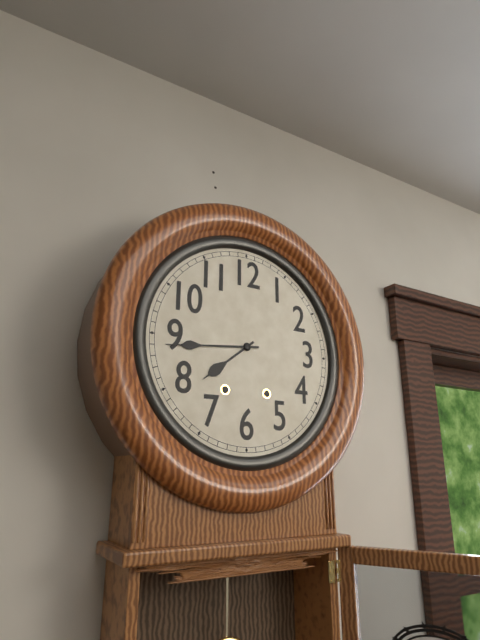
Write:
7,44
